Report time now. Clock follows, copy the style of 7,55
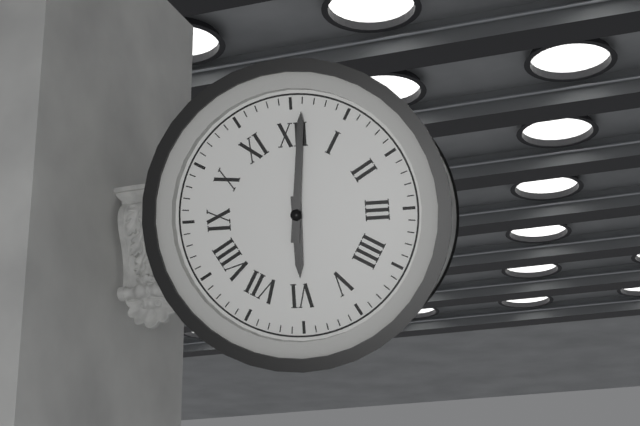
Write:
6,01
